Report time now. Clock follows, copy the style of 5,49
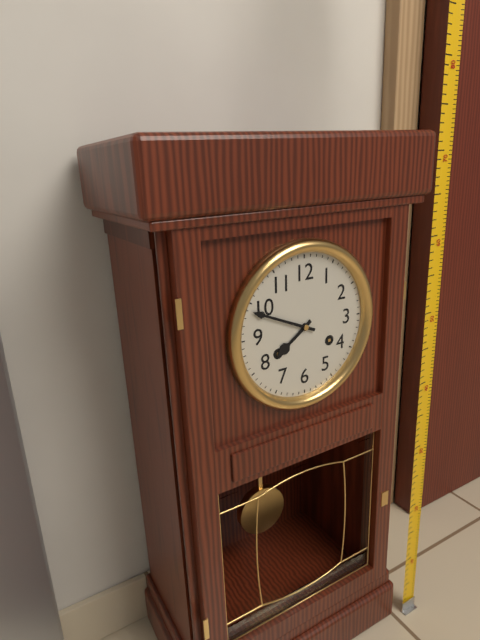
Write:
7,49
